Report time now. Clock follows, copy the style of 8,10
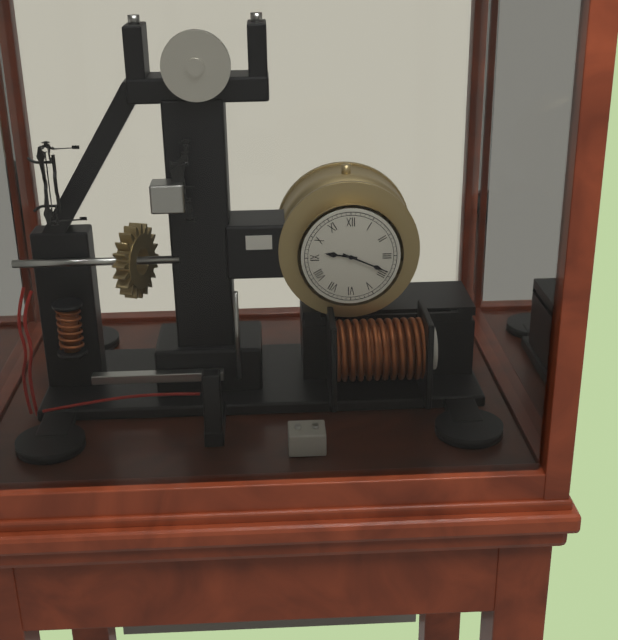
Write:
9,19
